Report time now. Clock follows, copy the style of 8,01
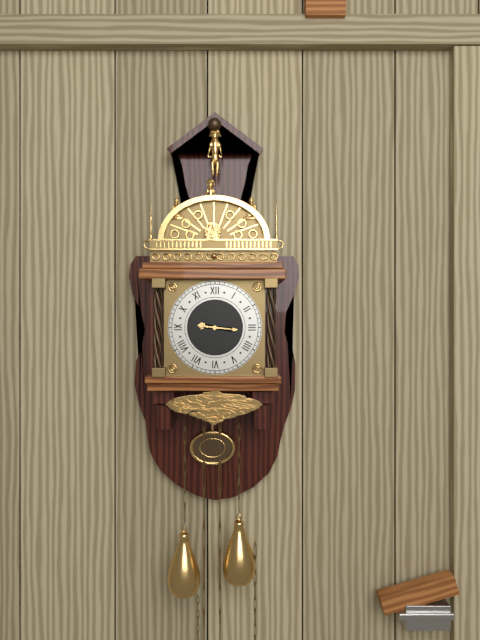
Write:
9,16
